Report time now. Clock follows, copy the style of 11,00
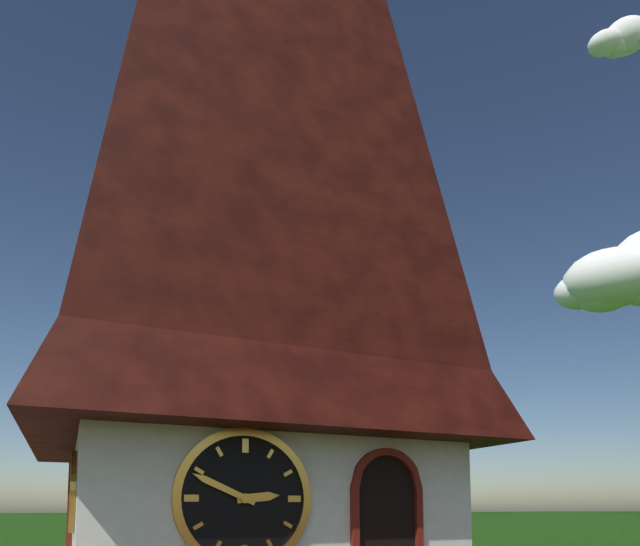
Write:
2,49
